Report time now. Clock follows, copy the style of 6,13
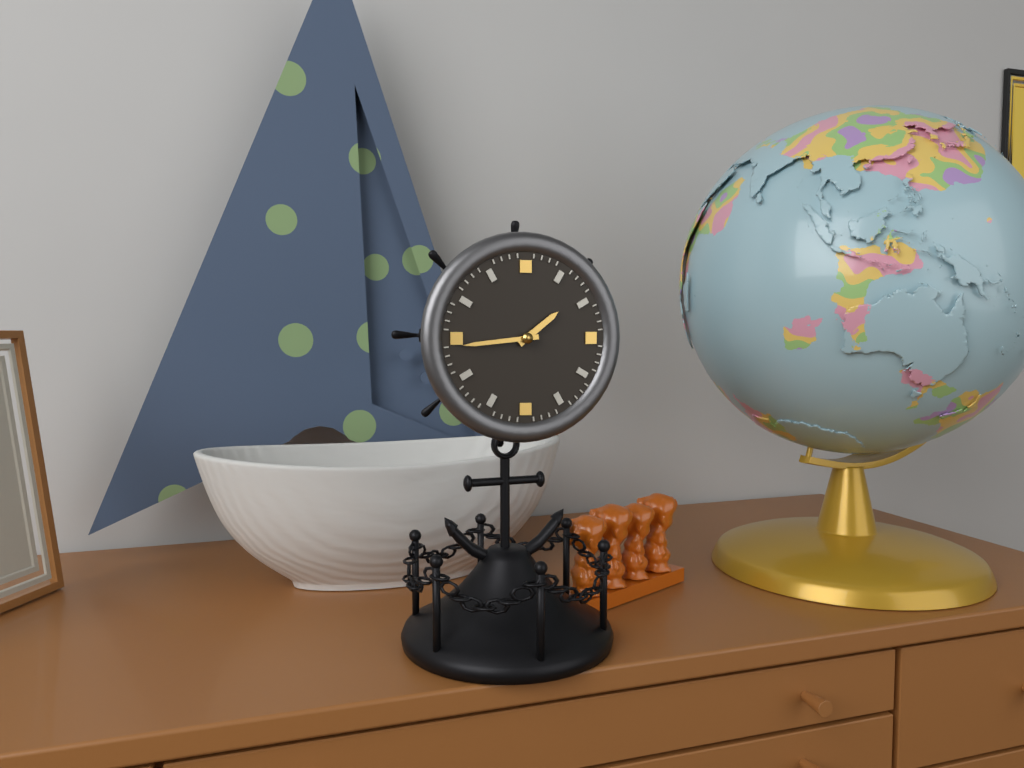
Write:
1,44
